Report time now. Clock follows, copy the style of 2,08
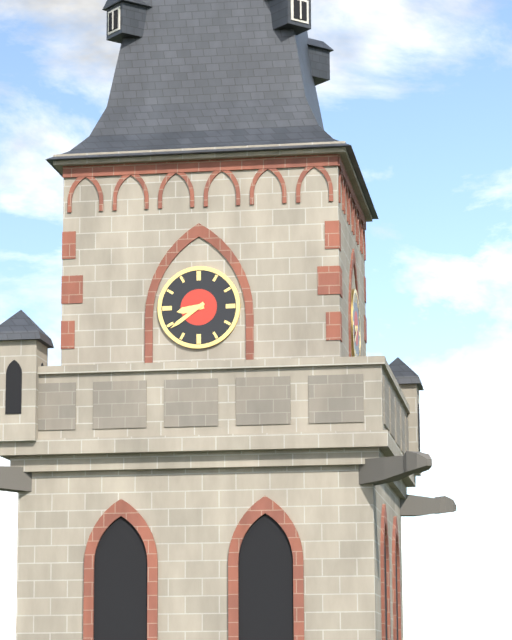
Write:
8,39
